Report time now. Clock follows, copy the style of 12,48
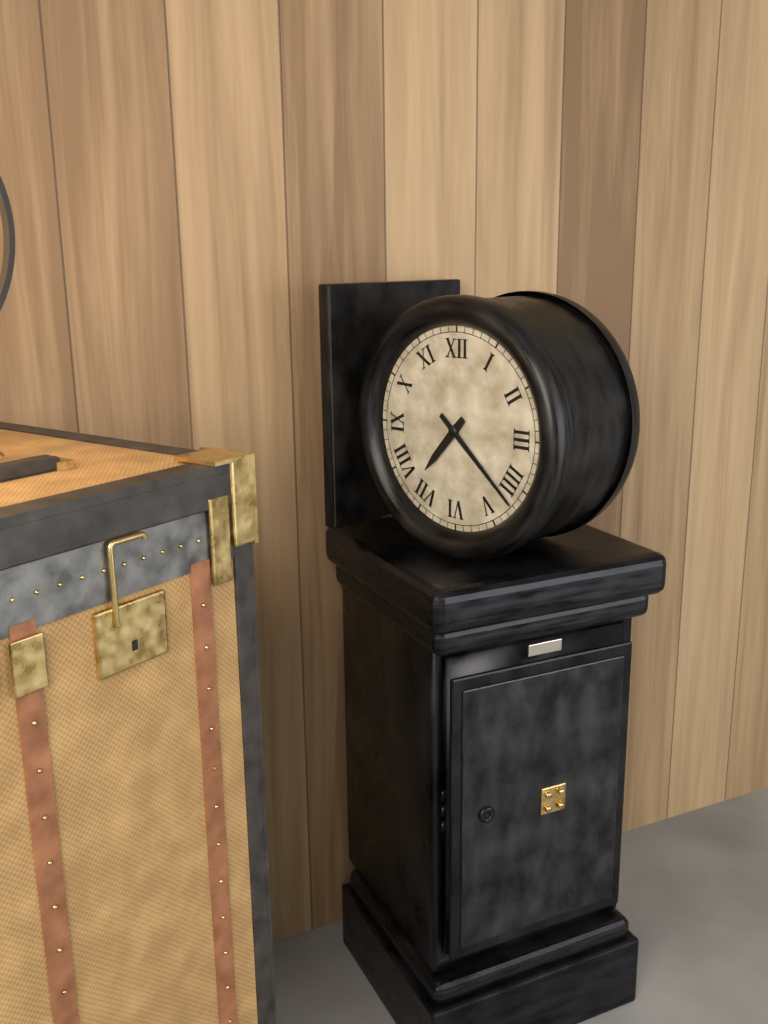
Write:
7,22
